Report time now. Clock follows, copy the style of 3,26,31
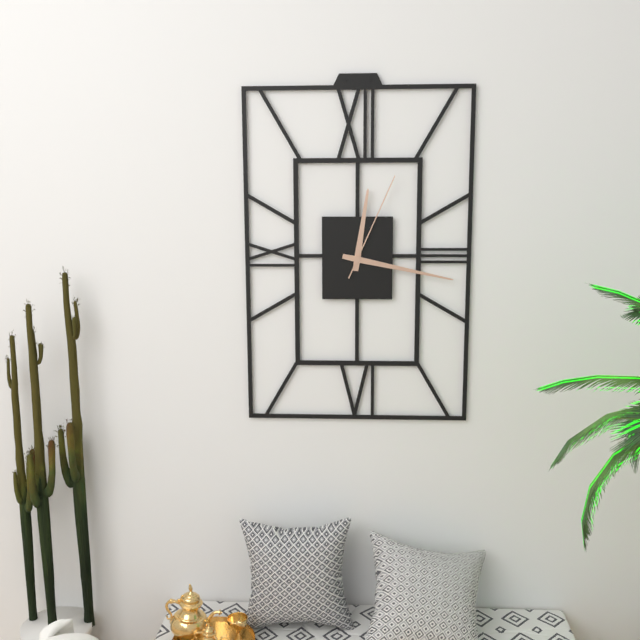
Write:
12,17,04
